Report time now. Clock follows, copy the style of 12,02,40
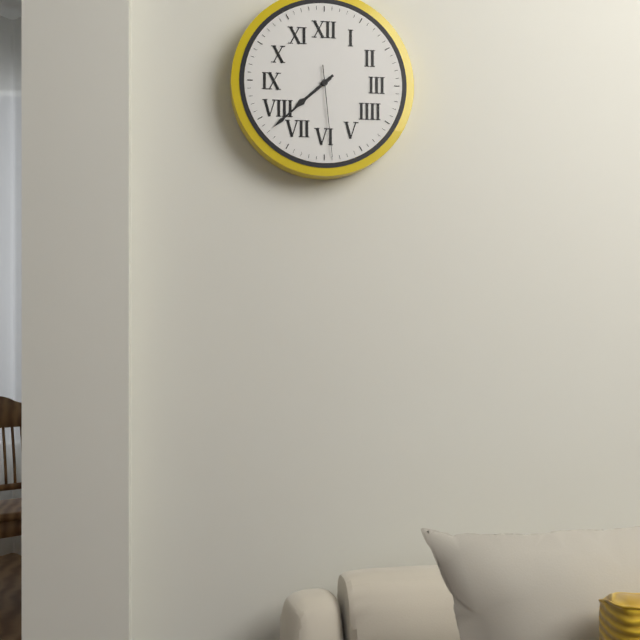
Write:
7,38,29
